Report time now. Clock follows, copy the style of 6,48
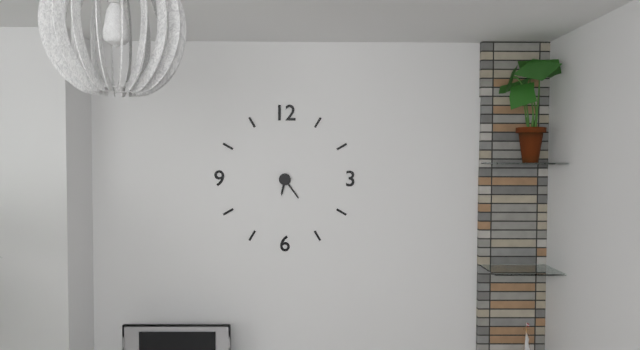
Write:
6,24
